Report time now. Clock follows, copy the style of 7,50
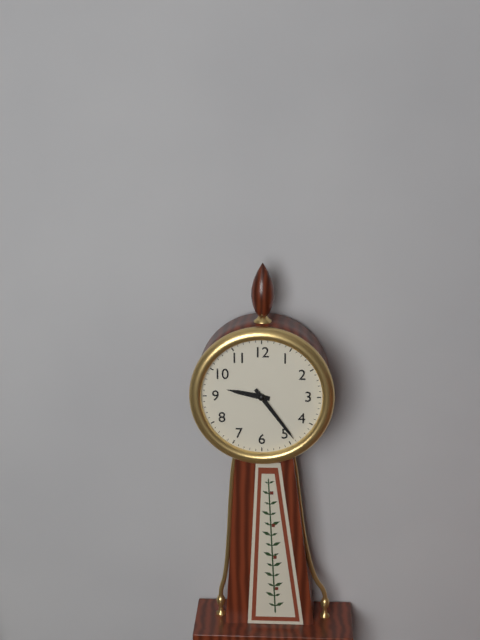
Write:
9,24
